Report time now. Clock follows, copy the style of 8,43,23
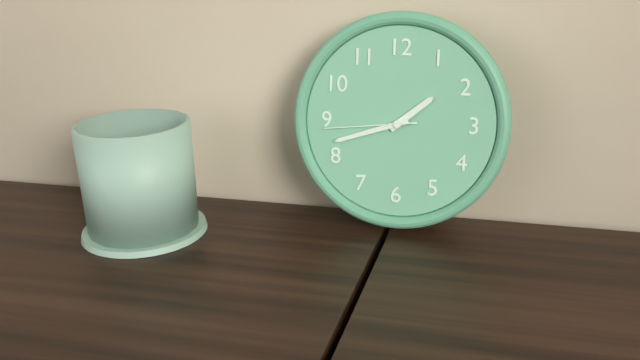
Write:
1,42,44
